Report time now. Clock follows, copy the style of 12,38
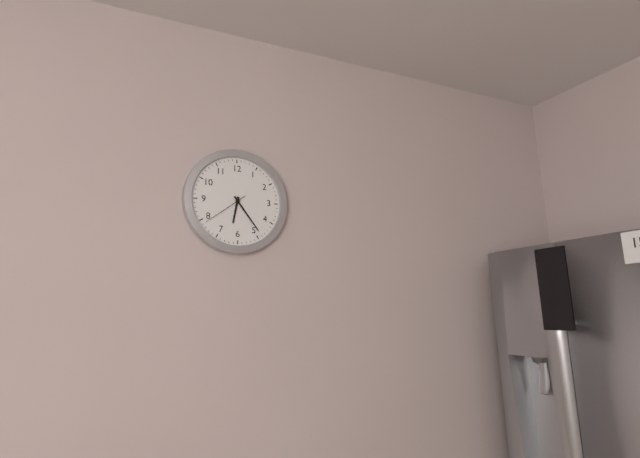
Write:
6,24
